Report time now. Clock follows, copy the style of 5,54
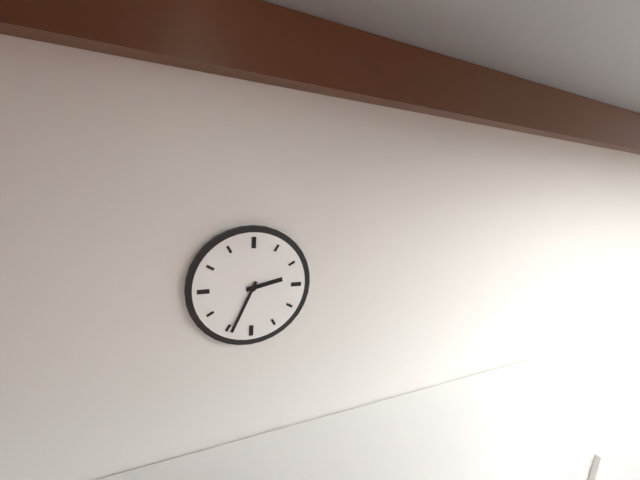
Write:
2,34
